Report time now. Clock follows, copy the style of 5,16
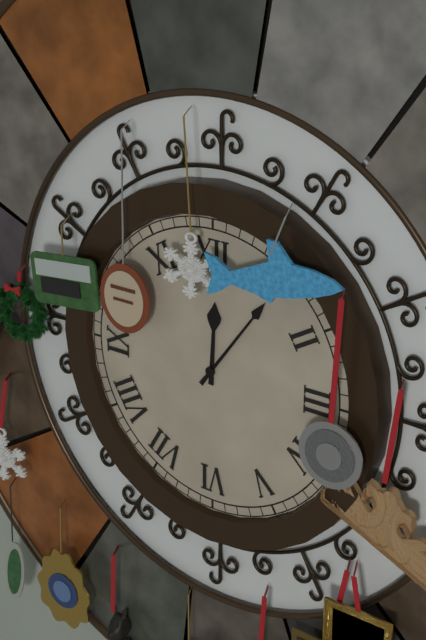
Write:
12,06
